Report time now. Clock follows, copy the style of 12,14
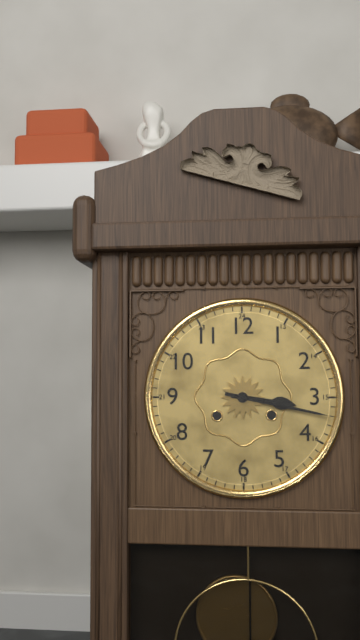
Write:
3,17
